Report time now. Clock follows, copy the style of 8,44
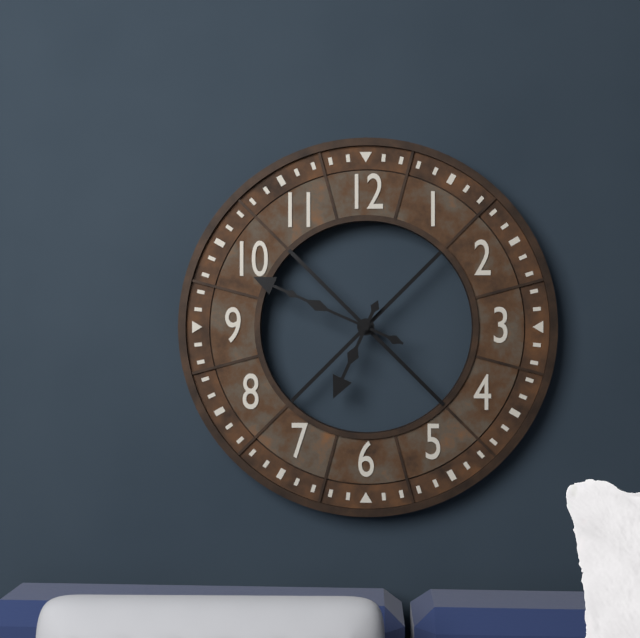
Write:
6,49
